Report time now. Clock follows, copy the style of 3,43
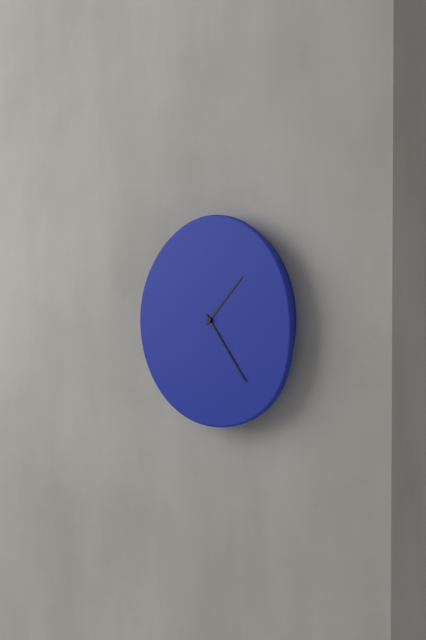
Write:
1,24
